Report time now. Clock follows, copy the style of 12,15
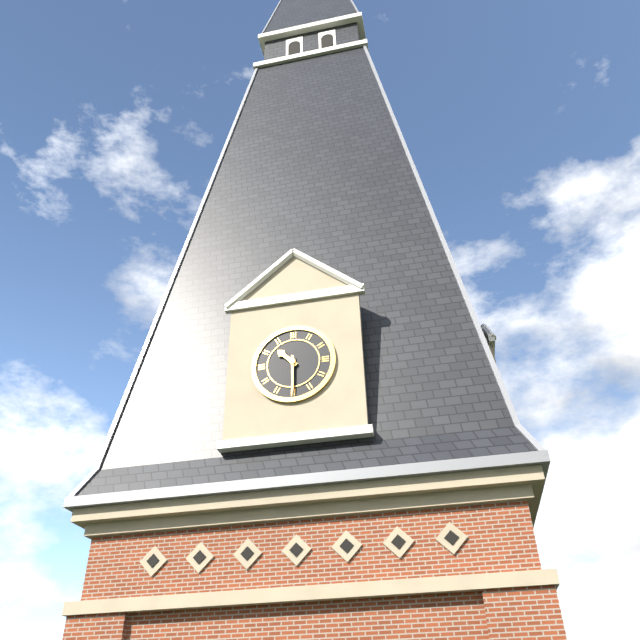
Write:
10,30
